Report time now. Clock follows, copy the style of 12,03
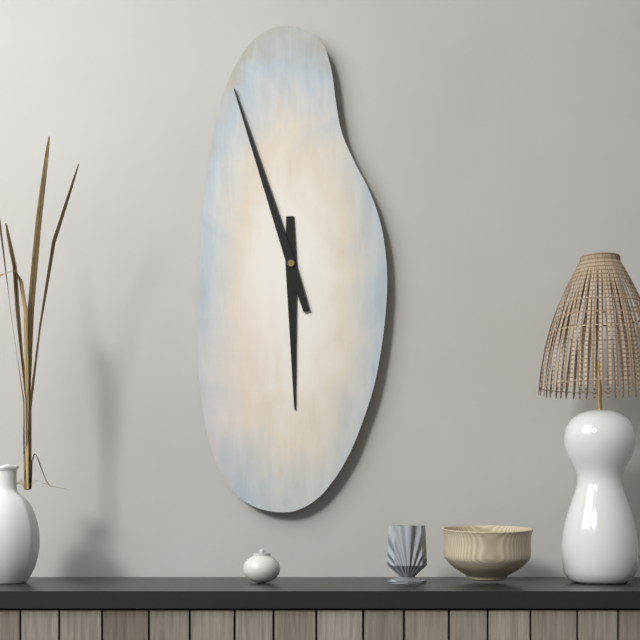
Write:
5,57
